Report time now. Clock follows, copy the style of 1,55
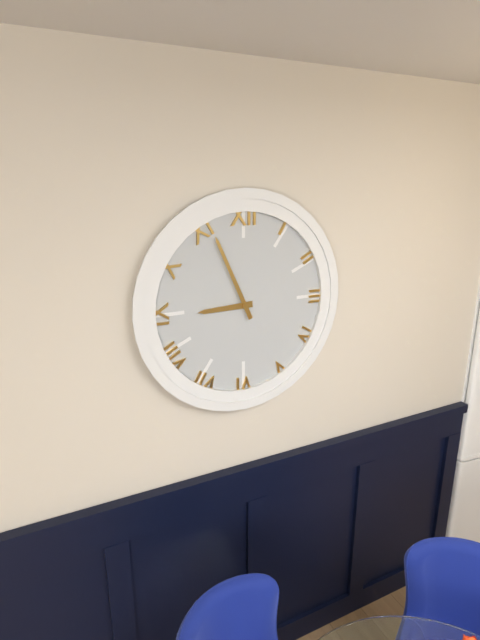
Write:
8,56
